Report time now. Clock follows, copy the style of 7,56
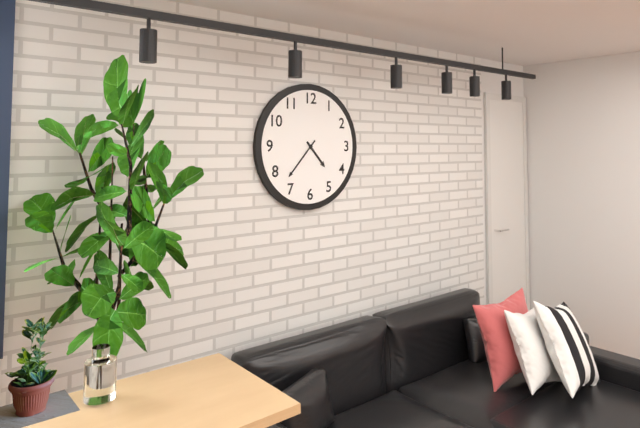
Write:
4,37
